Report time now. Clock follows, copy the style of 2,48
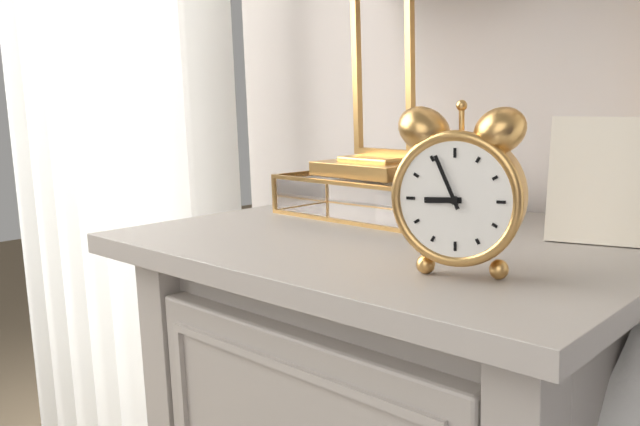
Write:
8,56
